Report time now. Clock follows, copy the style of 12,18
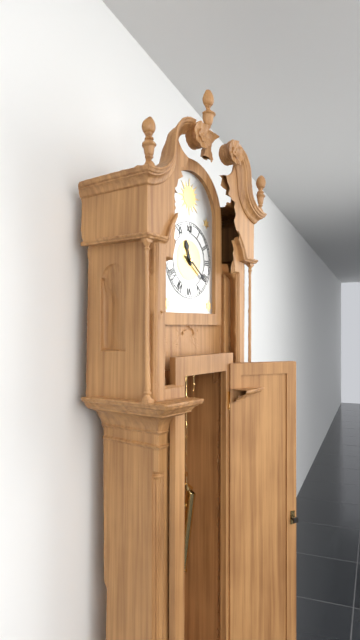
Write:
11,21
